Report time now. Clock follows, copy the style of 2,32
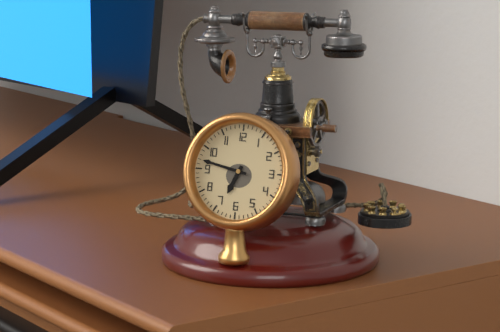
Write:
6,47
